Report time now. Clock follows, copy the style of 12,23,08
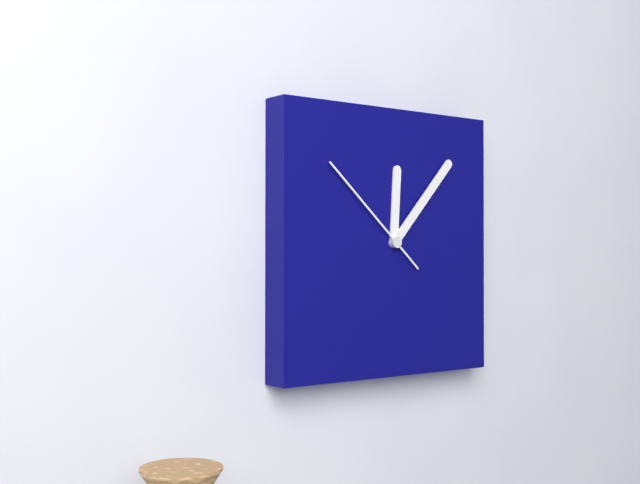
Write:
12,07,52
